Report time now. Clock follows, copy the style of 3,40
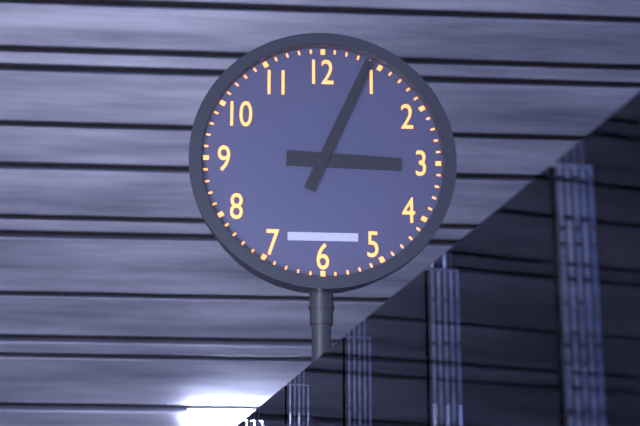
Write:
3,04
